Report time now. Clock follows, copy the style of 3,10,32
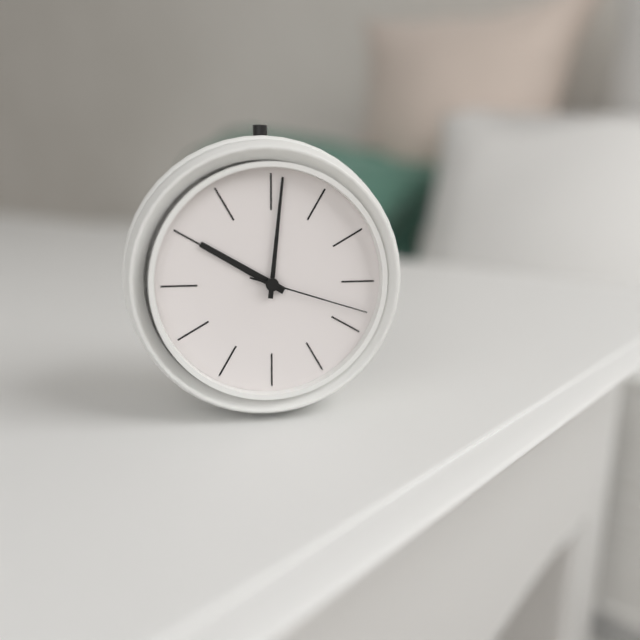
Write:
10,01,18
